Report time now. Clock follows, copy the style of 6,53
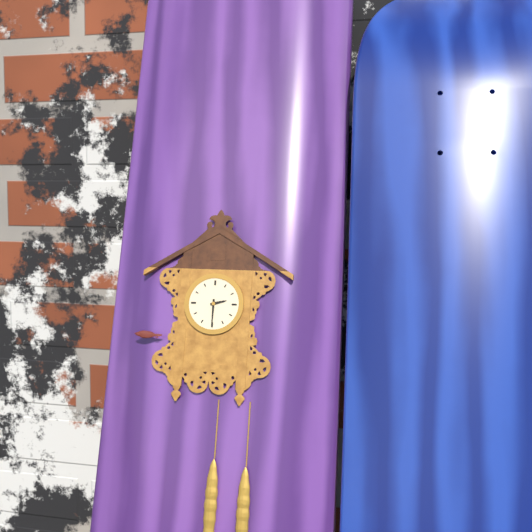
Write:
2,30
